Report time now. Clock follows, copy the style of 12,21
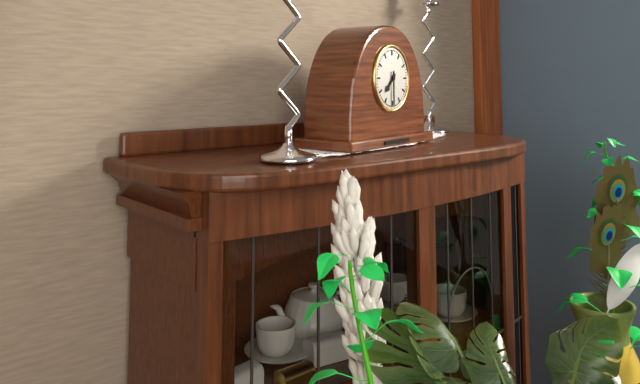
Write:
7,30
